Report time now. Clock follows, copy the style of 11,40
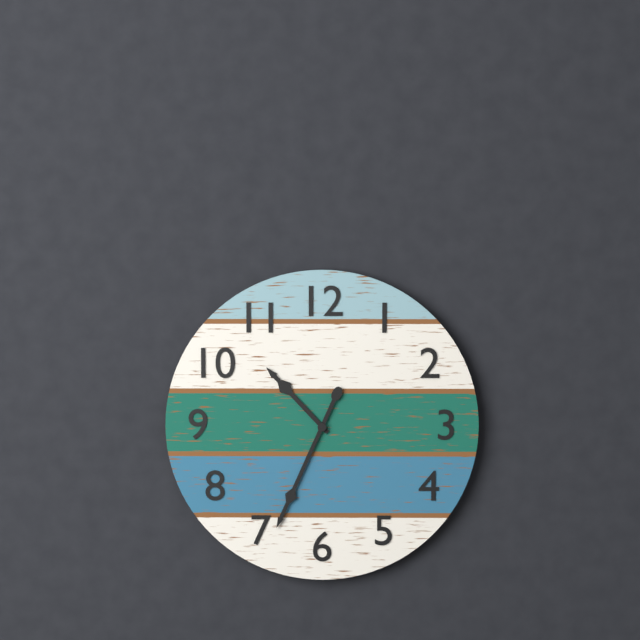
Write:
10,34
